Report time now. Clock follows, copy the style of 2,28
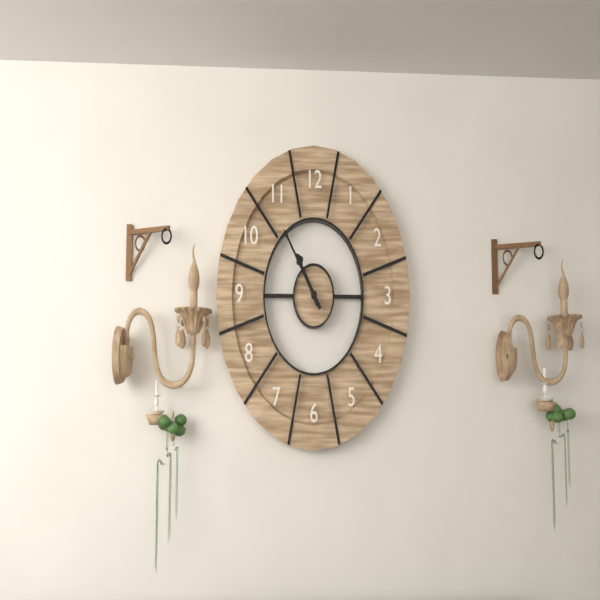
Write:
10,54
